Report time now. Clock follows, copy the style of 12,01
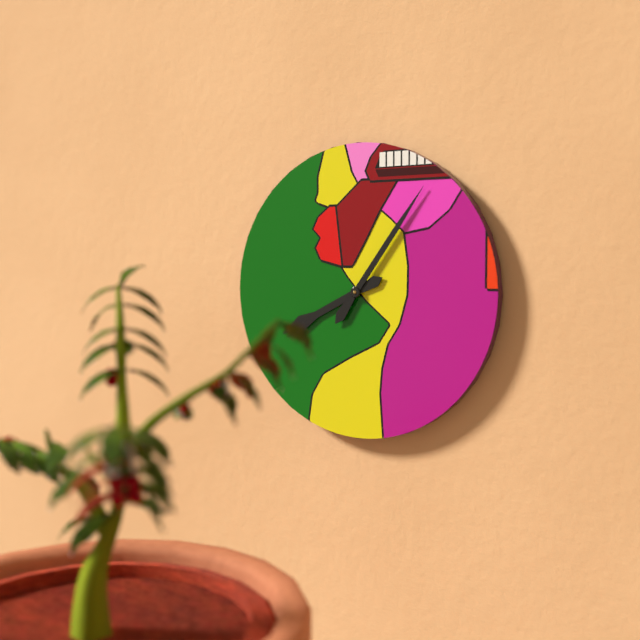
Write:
8,06
